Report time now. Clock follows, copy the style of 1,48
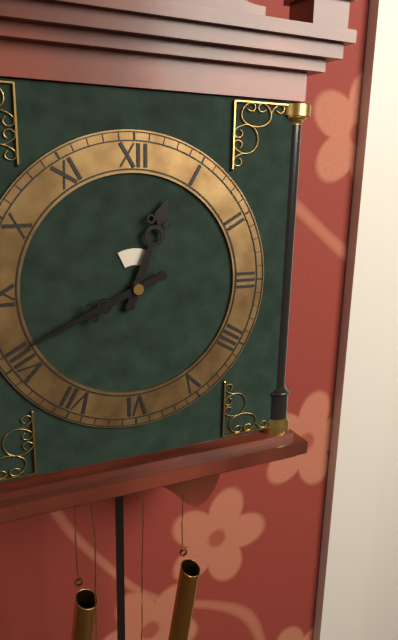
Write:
12,41
